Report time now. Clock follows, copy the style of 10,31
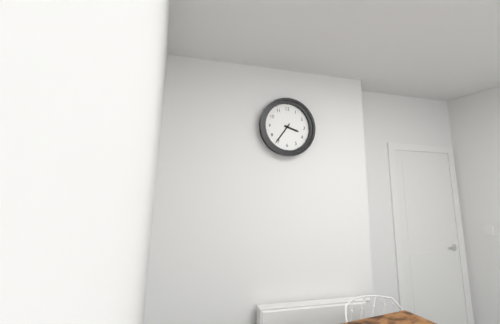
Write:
3,36
